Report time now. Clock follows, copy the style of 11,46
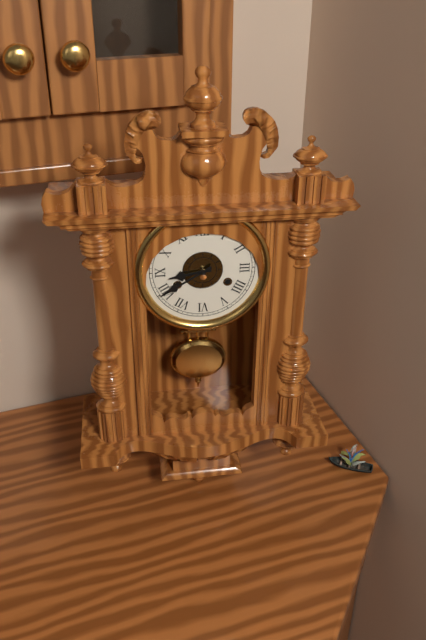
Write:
8,40
